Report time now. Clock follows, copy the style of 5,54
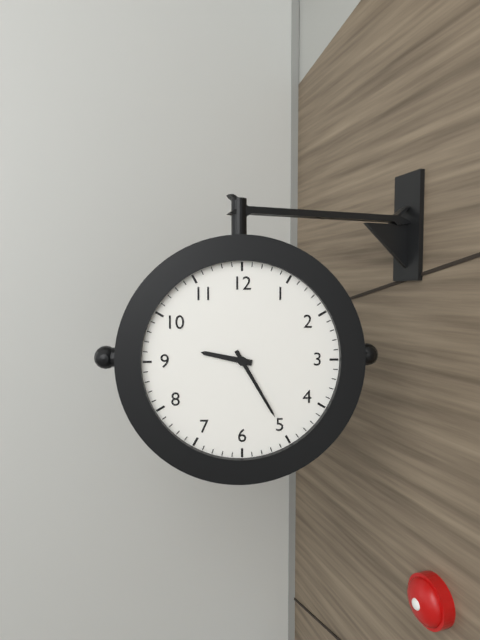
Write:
9,25
